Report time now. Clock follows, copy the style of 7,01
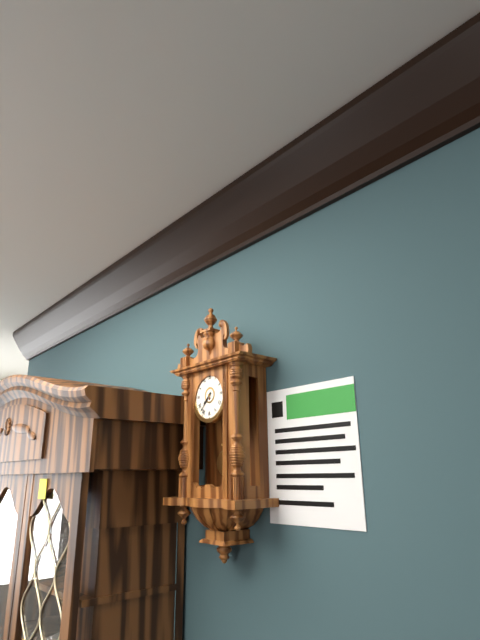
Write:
7,37
